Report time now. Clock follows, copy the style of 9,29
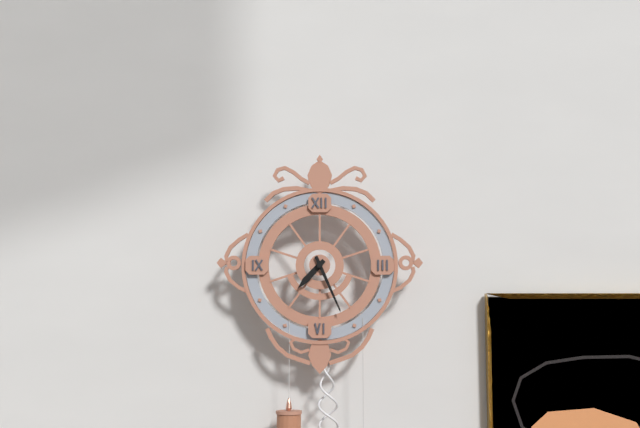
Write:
7,26
